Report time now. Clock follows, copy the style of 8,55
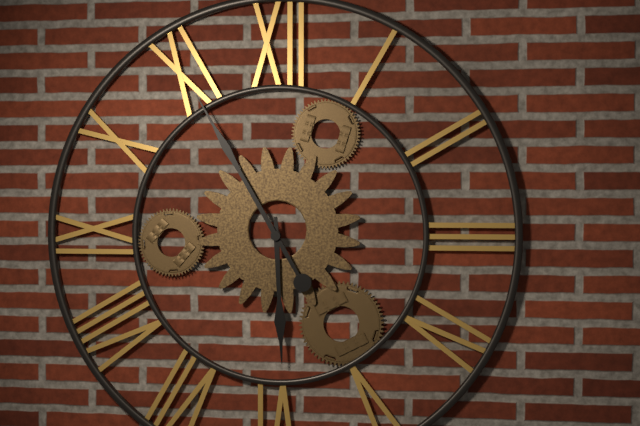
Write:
5,55
